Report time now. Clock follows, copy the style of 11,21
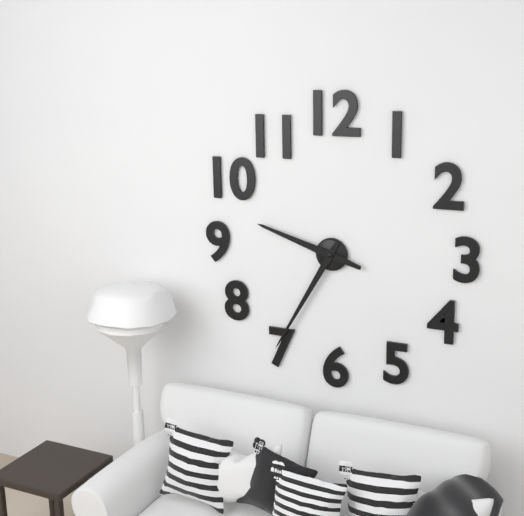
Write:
9,35
